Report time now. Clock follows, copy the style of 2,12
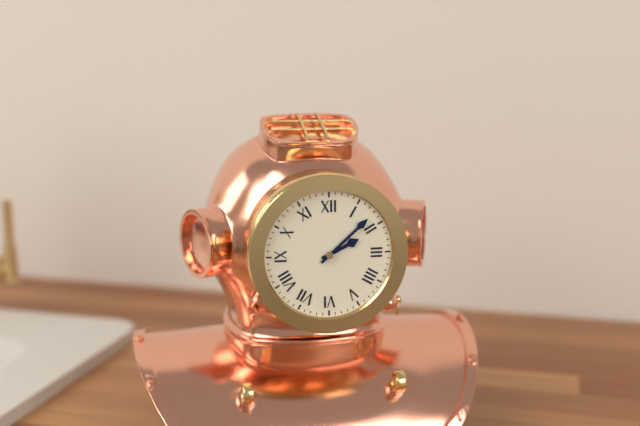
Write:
2,08
